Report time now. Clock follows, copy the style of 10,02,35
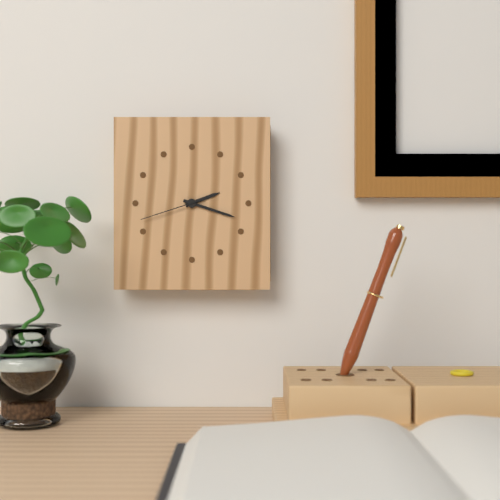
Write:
2,18,42
